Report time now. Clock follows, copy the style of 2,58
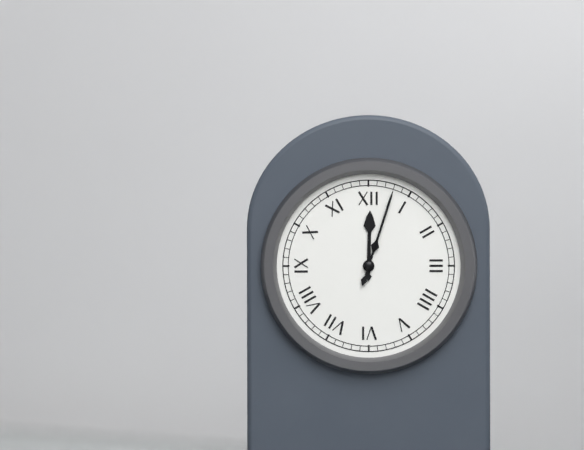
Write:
12,03
